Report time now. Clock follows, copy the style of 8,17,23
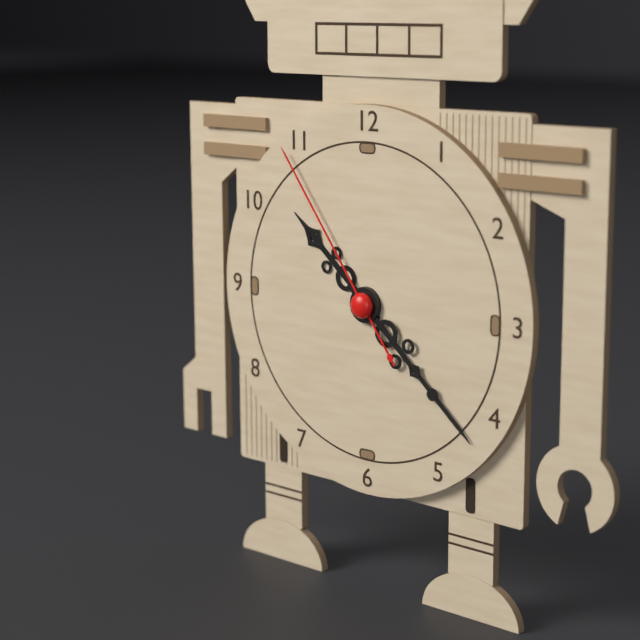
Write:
10,22,54
